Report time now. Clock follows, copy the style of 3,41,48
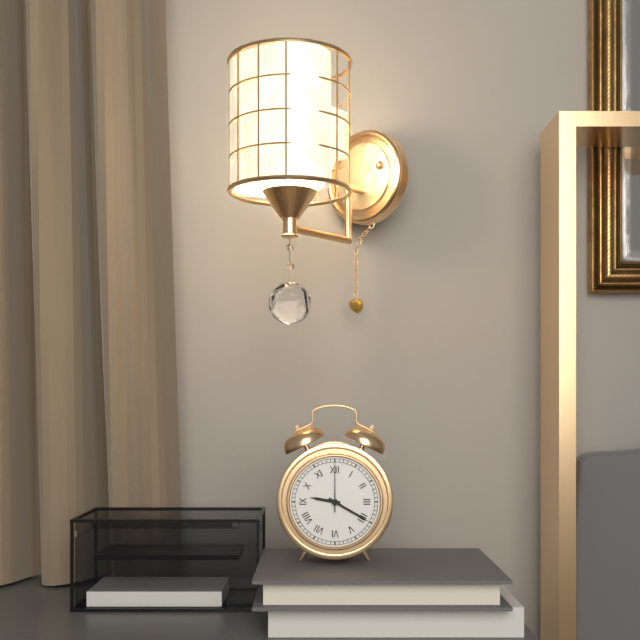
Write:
9,20,00
